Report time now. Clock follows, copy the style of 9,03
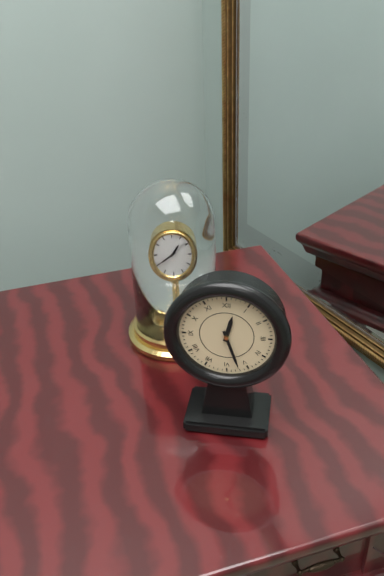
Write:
12,27
